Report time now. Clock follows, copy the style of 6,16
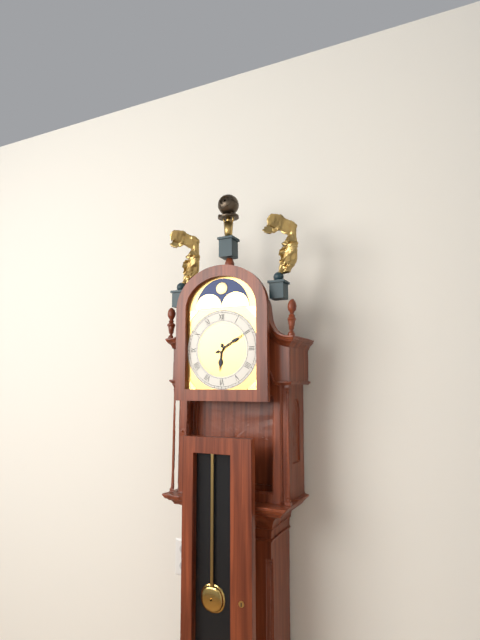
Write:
6,10
